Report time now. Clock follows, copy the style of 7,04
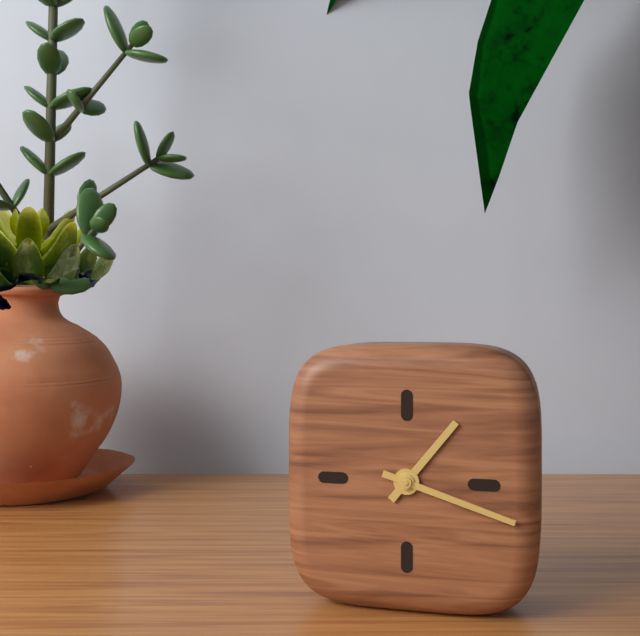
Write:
1,18
